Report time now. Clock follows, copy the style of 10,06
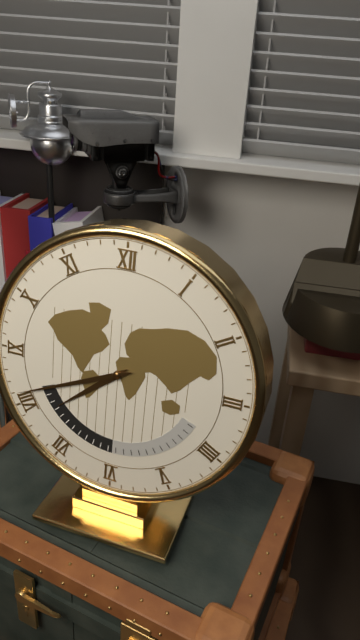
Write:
7,41
